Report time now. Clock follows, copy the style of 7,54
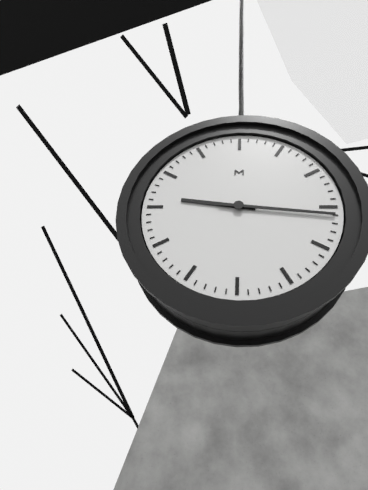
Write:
9,16
